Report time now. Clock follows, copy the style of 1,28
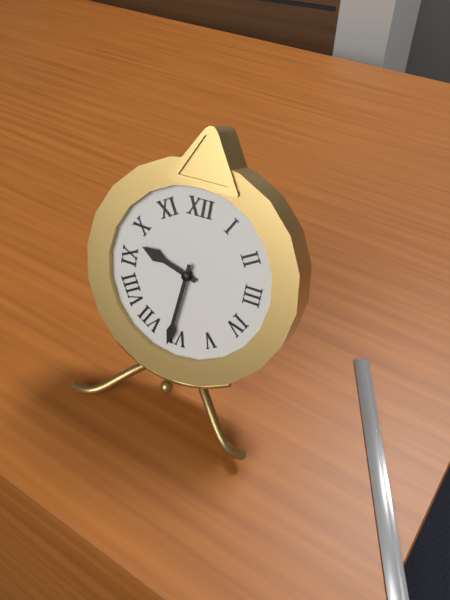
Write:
9,31
